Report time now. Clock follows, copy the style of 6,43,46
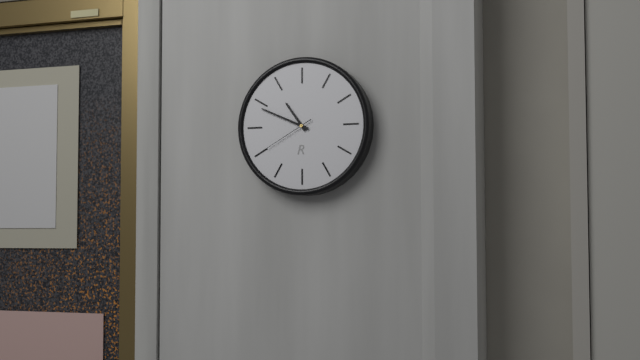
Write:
10,49,40
